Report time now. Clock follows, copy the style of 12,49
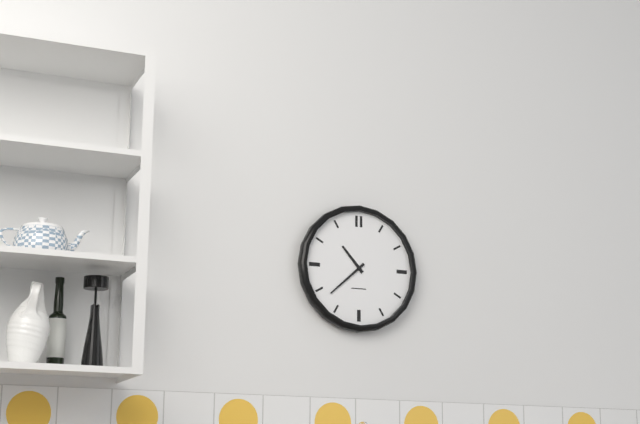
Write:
10,38
